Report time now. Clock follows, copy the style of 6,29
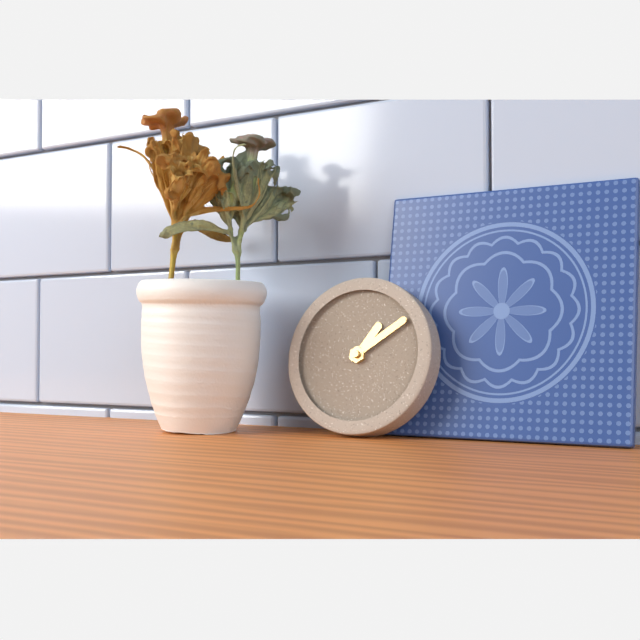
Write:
1,09
